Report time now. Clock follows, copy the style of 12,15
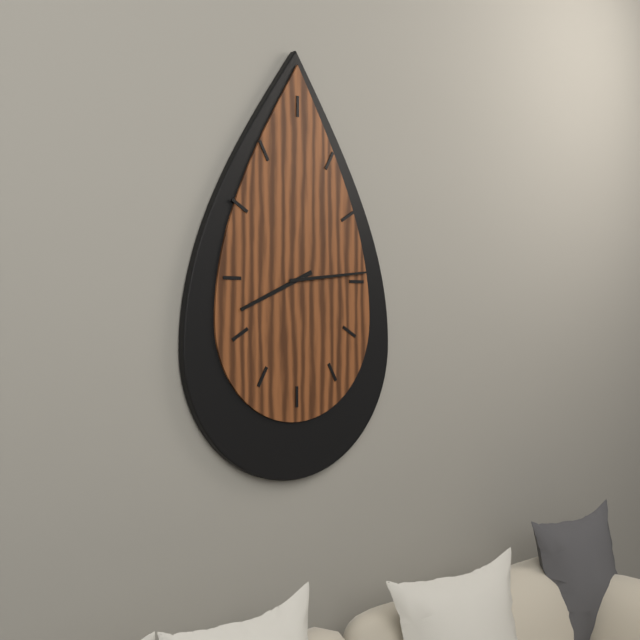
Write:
8,14
